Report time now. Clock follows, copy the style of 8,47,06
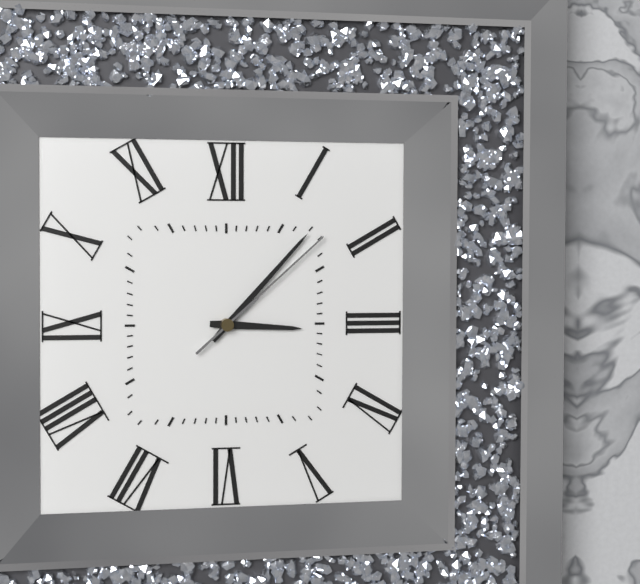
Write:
3,07,08
